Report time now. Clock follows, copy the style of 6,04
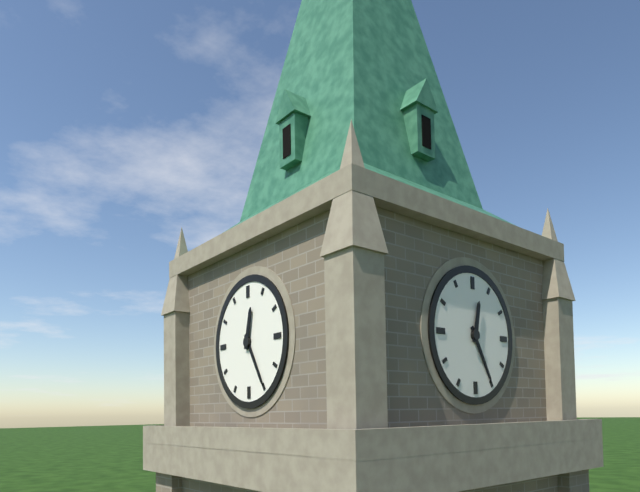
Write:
12,25
